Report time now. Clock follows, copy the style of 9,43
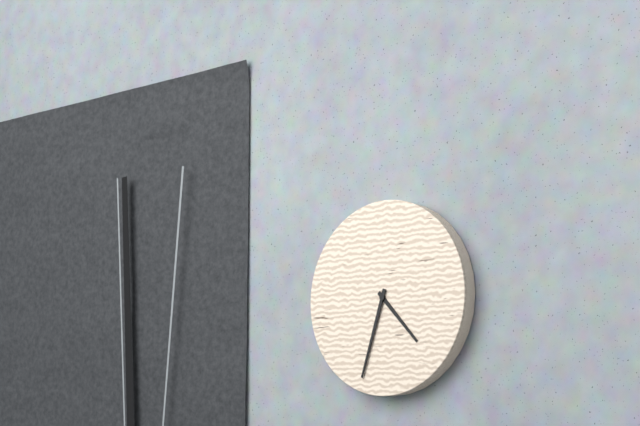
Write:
4,33
